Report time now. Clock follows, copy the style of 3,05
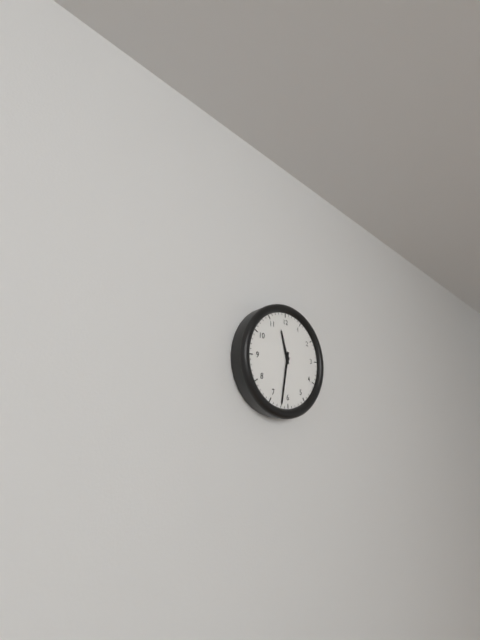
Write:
11,32
